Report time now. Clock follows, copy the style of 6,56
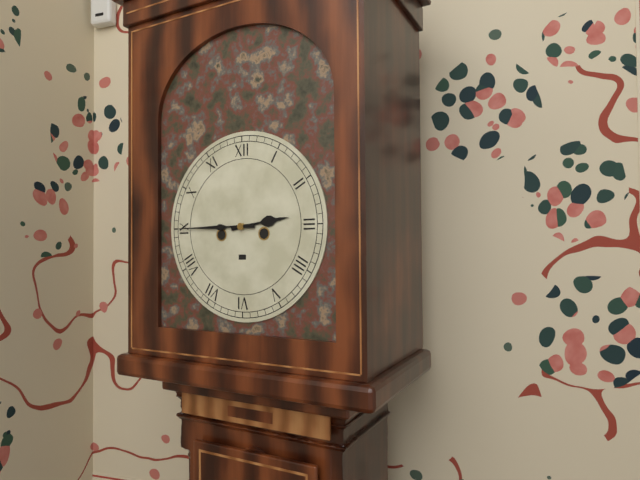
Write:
2,45
